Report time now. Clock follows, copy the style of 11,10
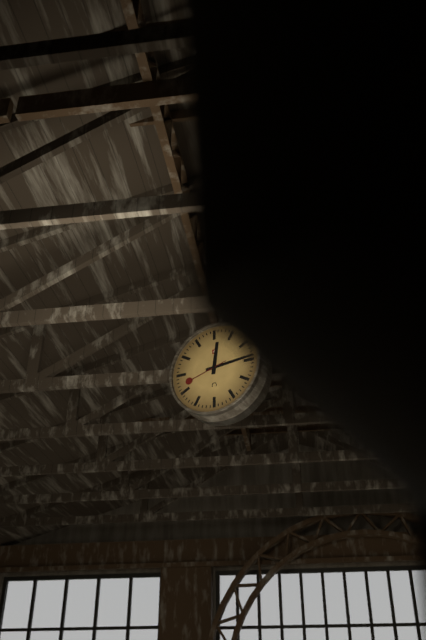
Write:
12,14
